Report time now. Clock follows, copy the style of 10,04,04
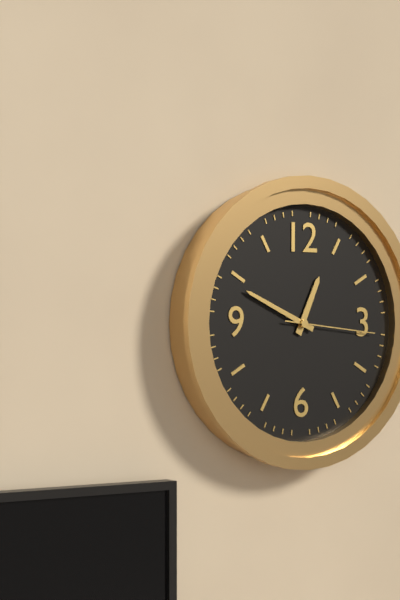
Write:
12,49,16
